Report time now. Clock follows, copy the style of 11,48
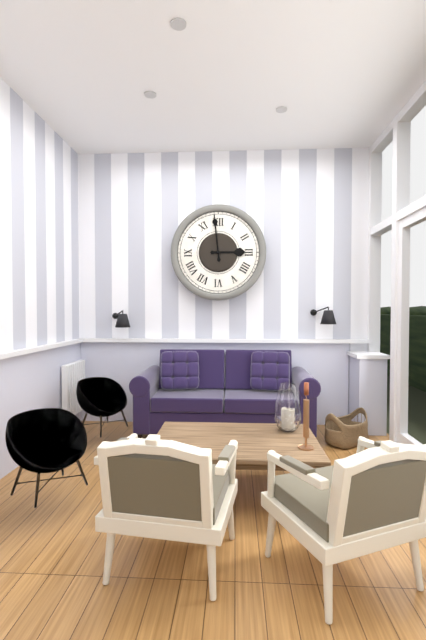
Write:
2,59
